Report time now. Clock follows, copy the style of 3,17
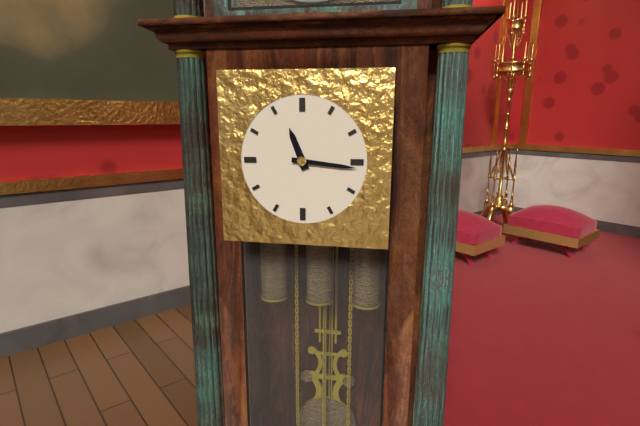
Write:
11,16
